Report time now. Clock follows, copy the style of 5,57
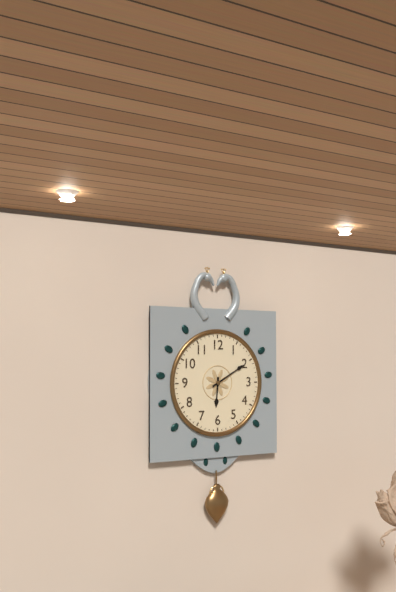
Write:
6,10
